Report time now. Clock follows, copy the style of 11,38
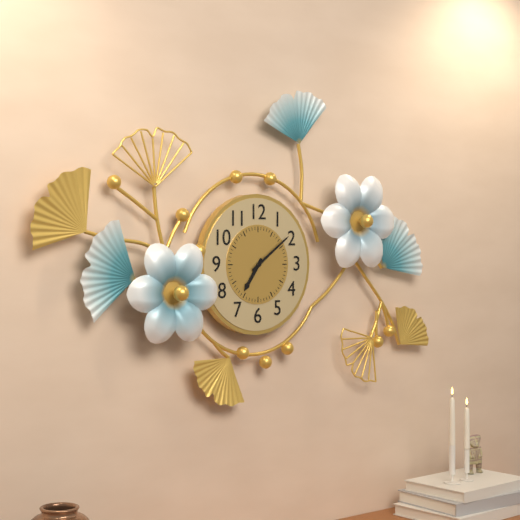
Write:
7,09
